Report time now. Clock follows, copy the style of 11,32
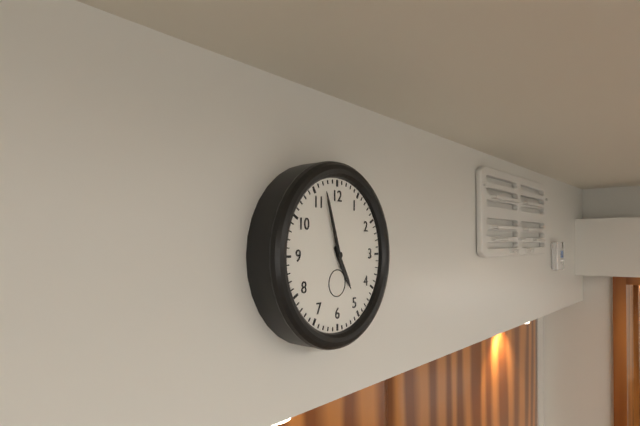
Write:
4,57
